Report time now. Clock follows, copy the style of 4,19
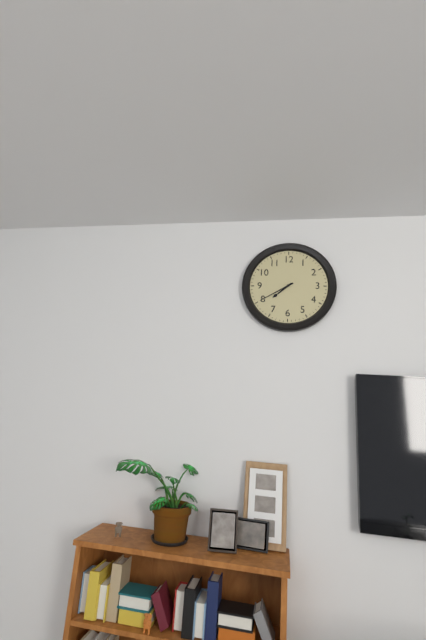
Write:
7,40
